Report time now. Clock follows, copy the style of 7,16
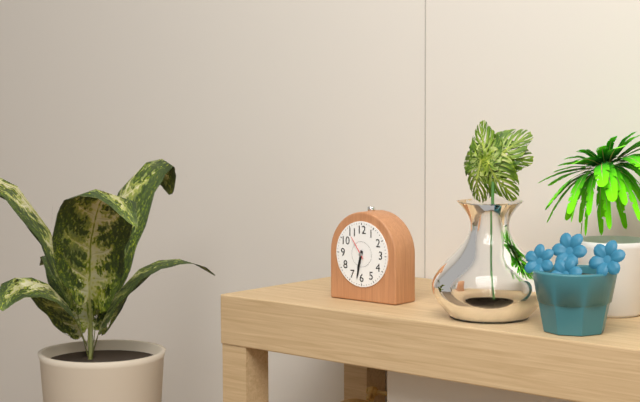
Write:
6,32
